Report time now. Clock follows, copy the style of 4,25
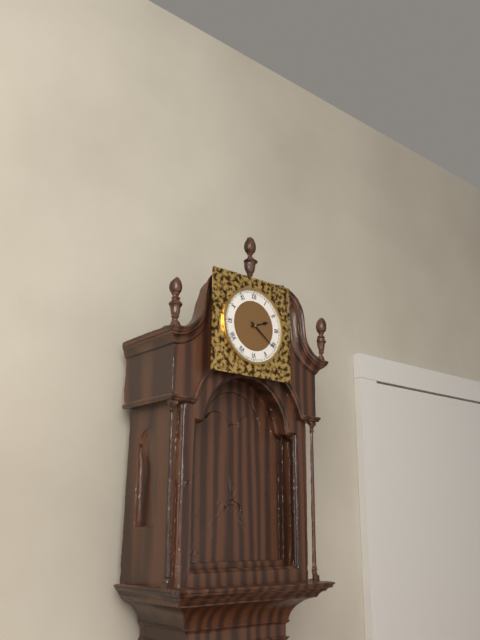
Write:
2,21
